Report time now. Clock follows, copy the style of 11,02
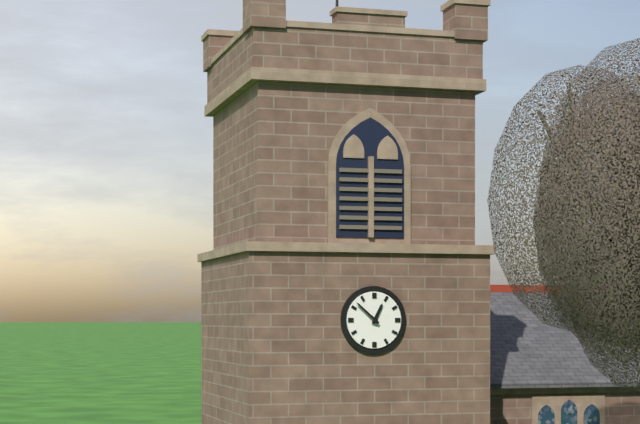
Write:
12,52
